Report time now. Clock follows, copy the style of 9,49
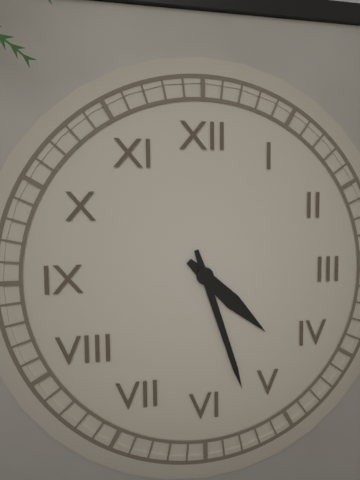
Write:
4,27
